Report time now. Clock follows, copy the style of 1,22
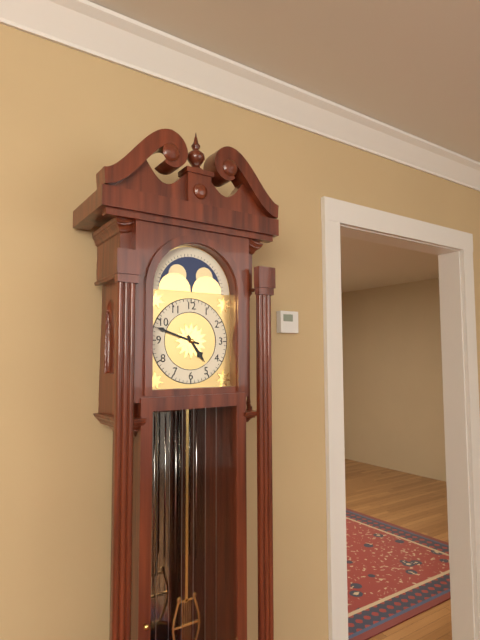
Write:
4,48
